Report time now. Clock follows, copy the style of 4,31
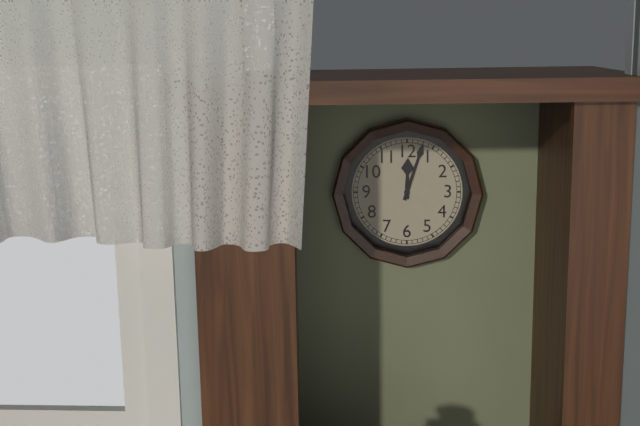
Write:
12,03
